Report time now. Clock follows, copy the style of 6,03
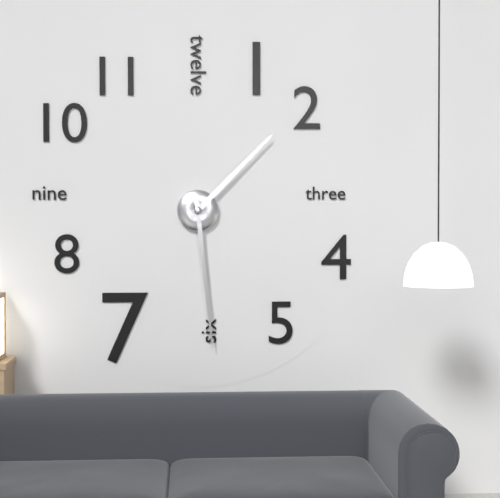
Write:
1,29
